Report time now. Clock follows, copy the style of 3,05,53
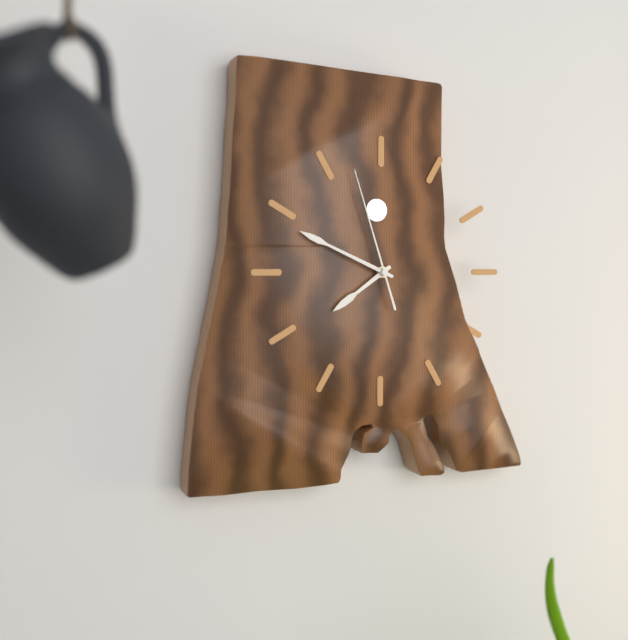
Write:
7,49,57
